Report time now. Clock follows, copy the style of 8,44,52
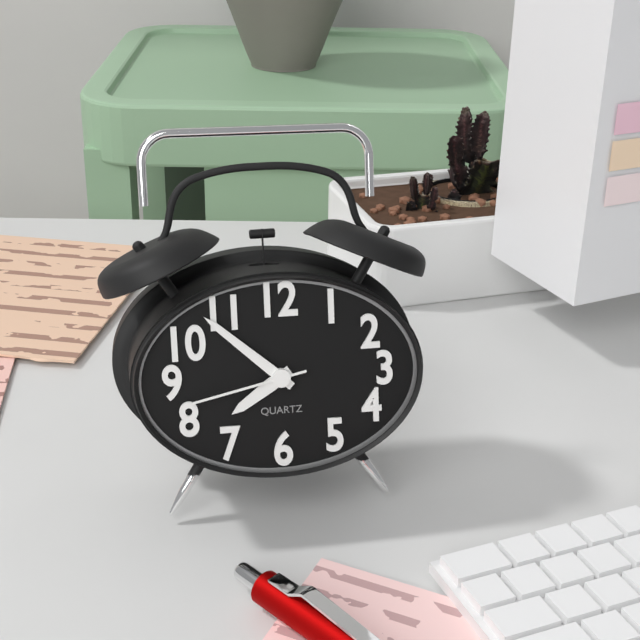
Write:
7,52,43
